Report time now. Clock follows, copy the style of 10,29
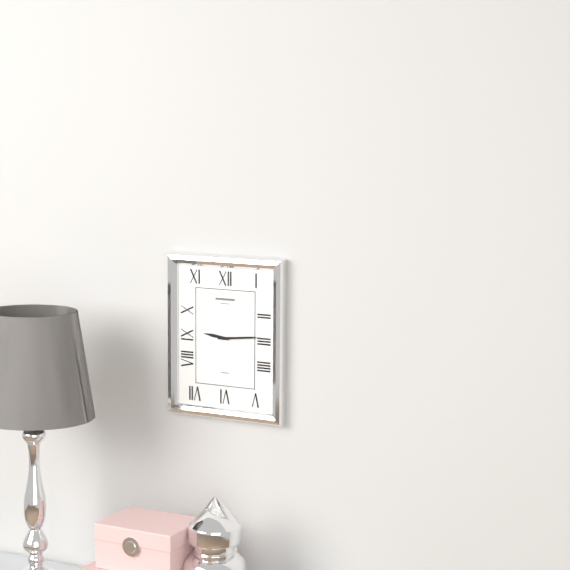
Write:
9,14
